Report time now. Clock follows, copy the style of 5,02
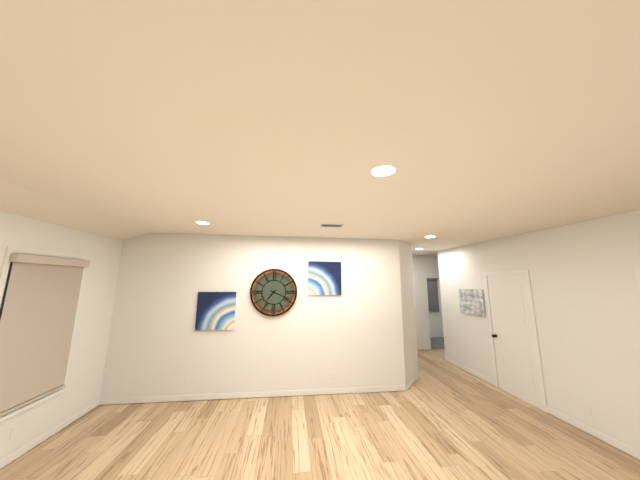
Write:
7,19
